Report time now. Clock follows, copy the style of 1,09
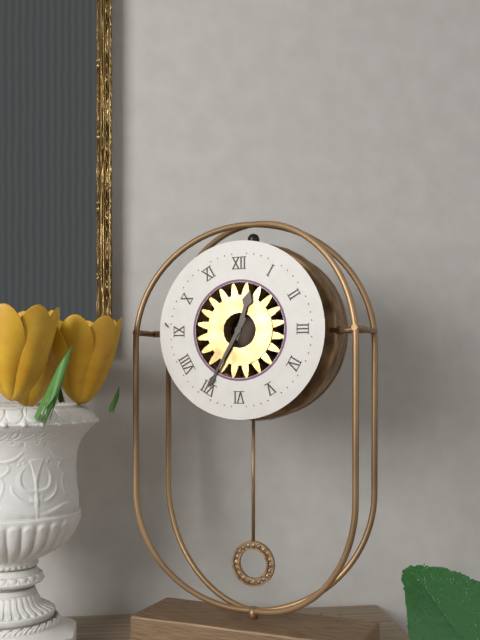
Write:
12,35
